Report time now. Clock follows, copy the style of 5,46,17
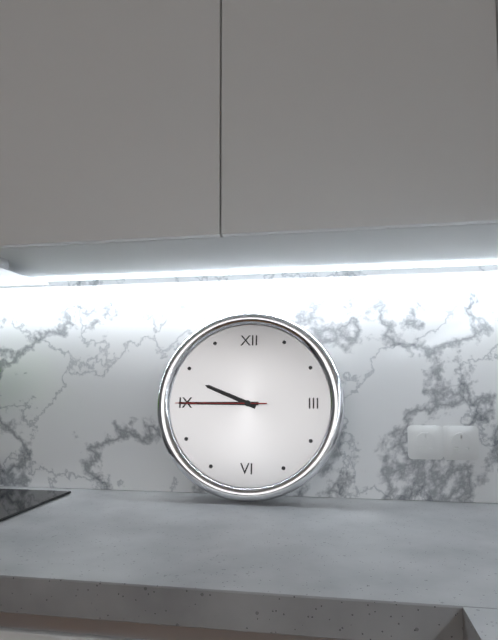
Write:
9,45,45
